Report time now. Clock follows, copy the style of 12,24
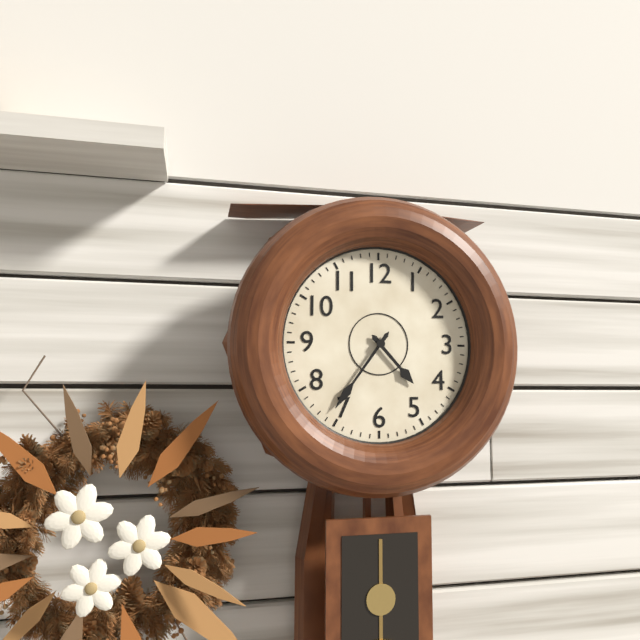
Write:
4,36
